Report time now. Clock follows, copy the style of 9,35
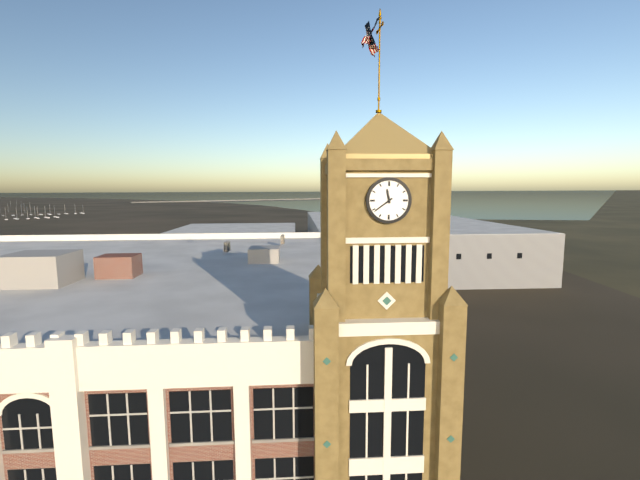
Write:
11,39
